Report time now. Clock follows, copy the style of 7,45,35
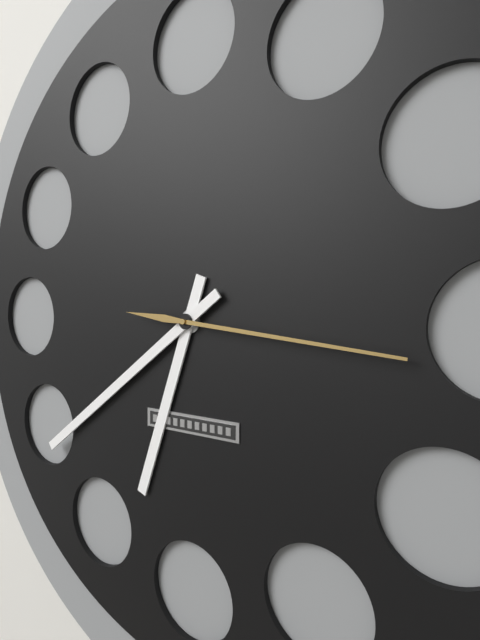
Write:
6,39,16
